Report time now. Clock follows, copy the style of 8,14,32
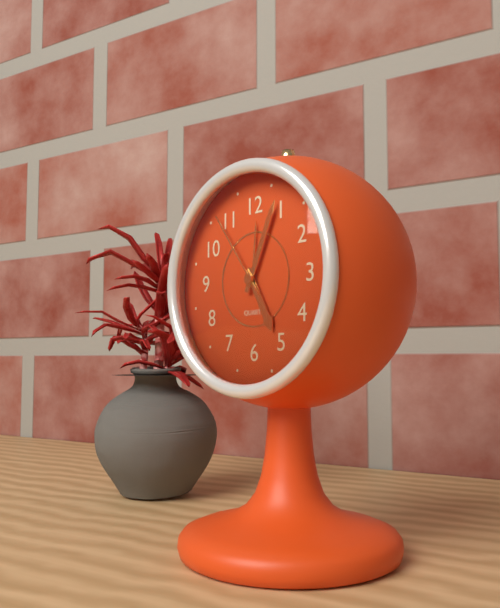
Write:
5,04,54
